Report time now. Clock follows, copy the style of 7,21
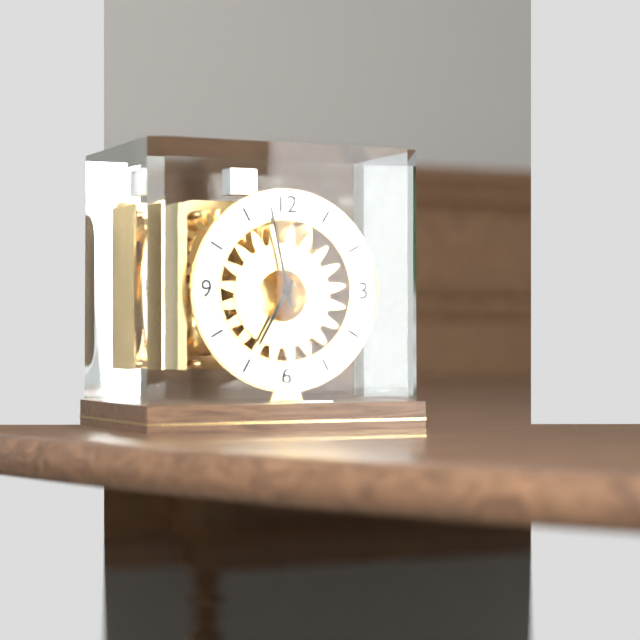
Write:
6,58
